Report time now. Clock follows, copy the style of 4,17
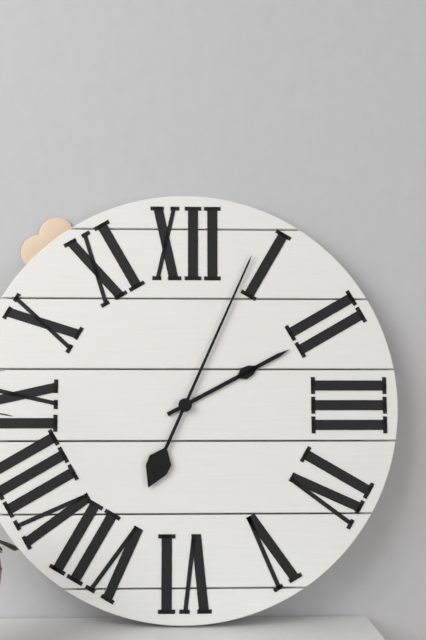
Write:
2,04
